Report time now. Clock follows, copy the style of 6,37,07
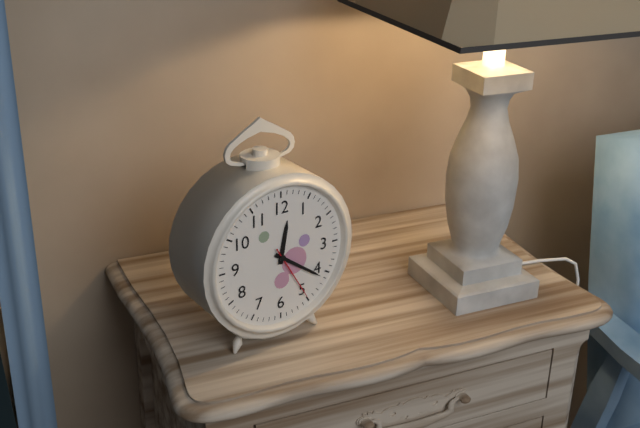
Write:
12,21,25
